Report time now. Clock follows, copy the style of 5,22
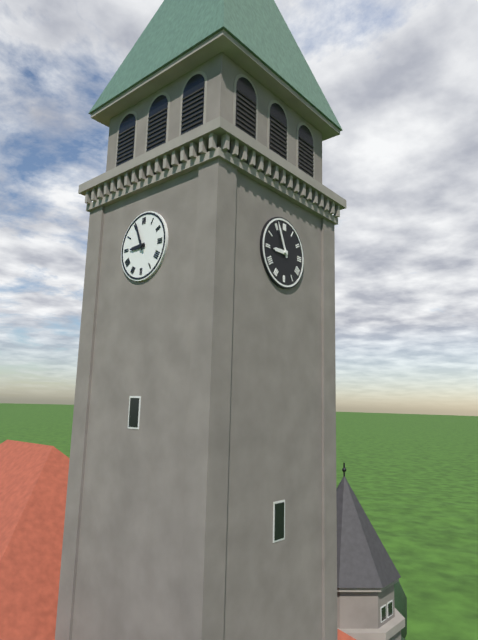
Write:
8,56
